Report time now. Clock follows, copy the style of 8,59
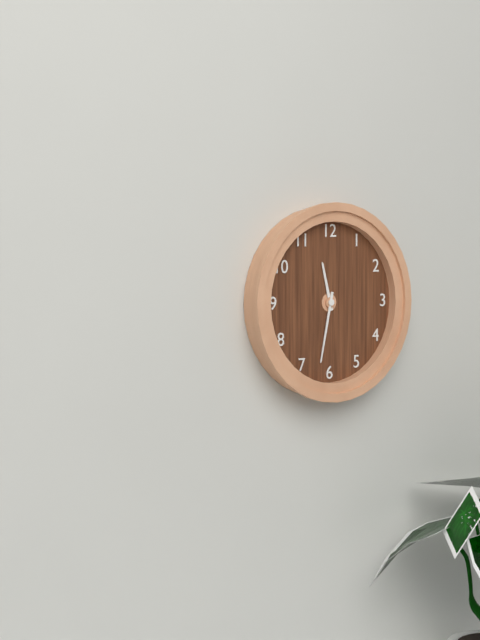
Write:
11,32
